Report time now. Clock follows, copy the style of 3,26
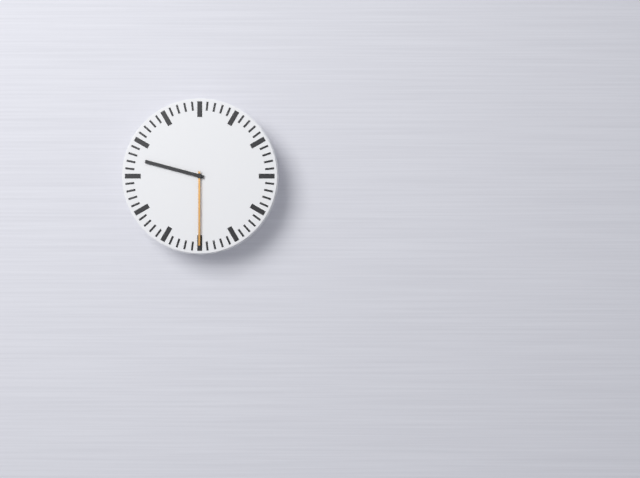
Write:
9,30
